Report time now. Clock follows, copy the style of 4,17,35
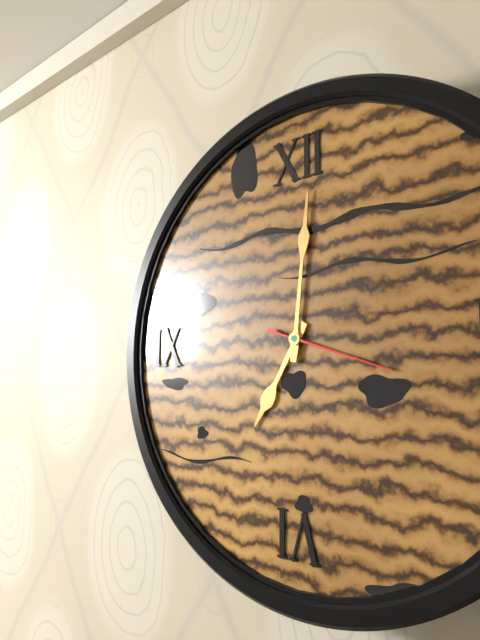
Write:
7,01,18
